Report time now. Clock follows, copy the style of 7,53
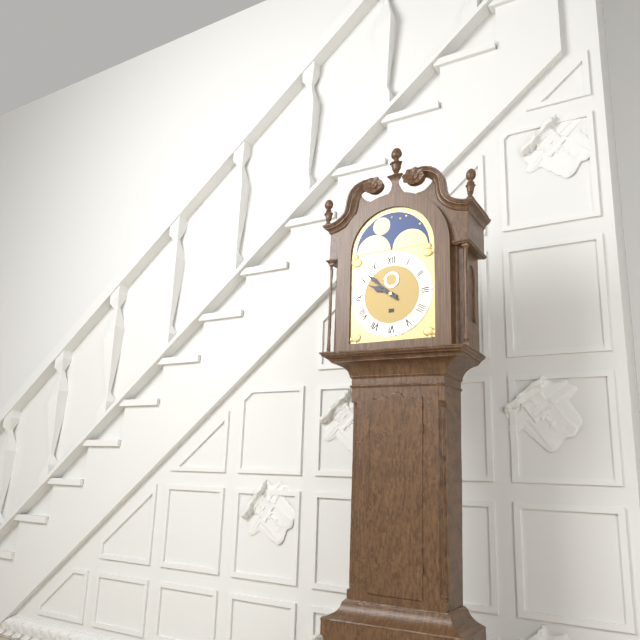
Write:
9,52
